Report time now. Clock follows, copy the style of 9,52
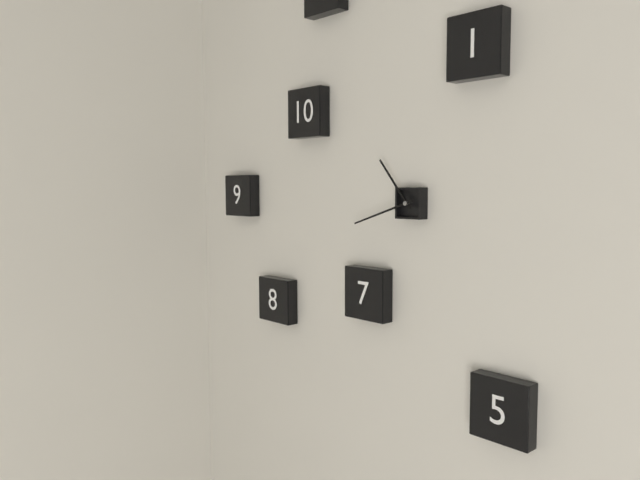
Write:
10,42
